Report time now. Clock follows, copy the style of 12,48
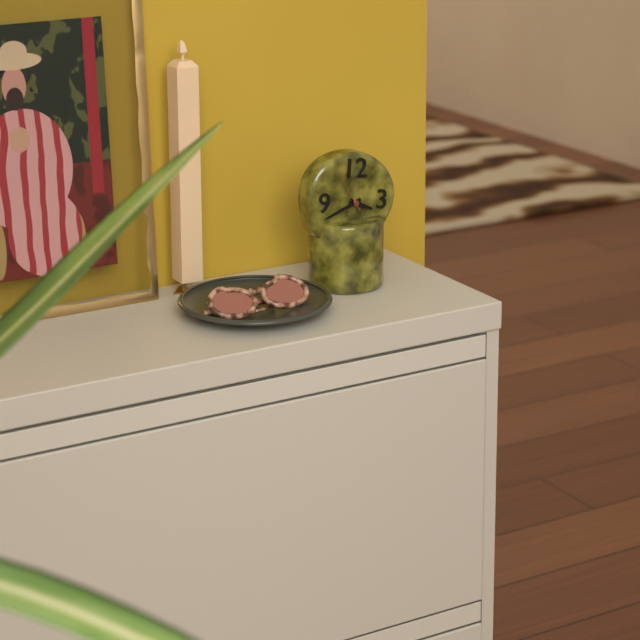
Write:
3,41
